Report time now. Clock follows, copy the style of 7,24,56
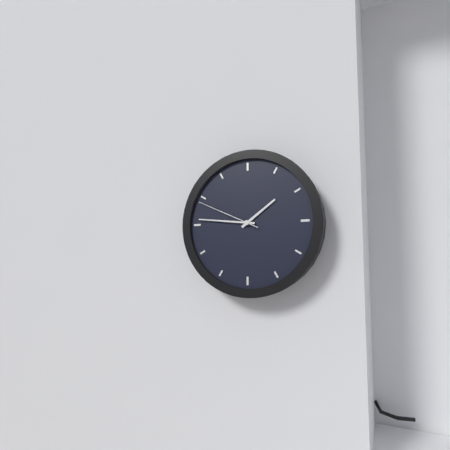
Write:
1,46,49
